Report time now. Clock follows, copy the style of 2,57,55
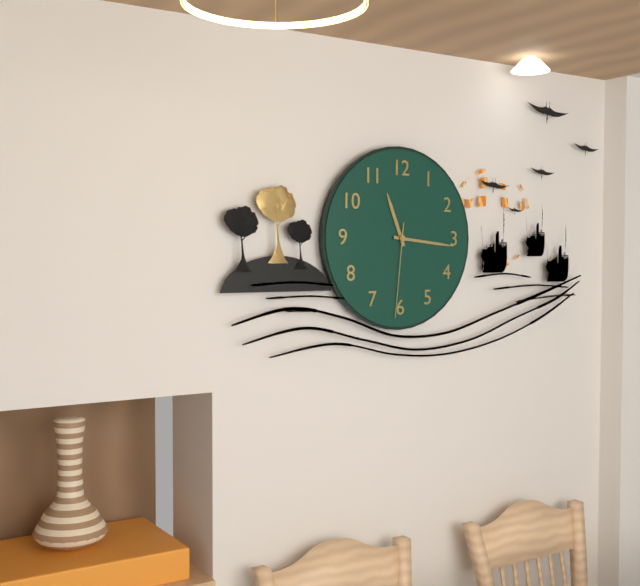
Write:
11,16,31
